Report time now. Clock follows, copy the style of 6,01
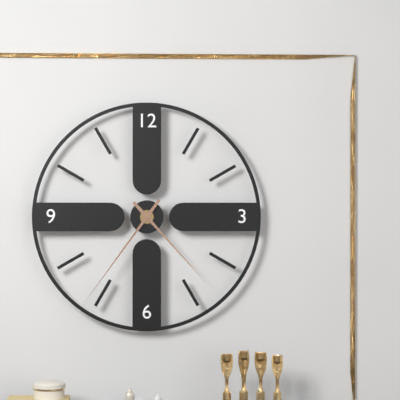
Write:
4,36
